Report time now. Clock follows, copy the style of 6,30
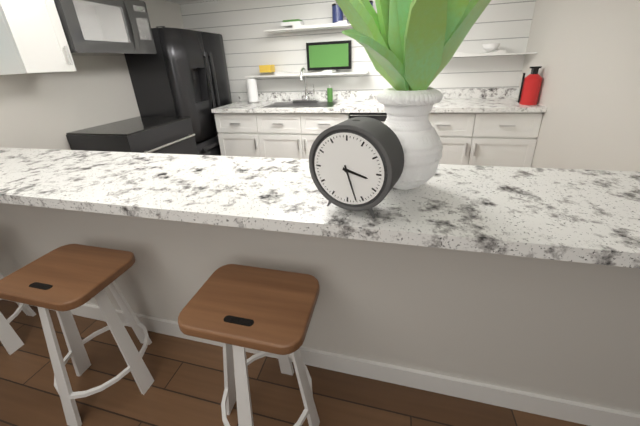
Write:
3,27
